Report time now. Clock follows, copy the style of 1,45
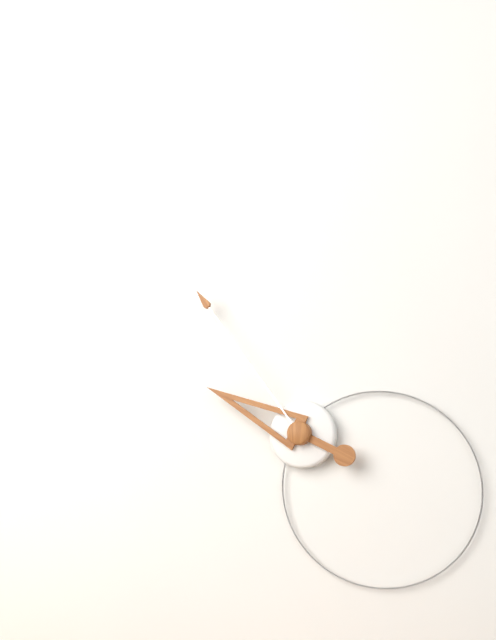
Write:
9,54
